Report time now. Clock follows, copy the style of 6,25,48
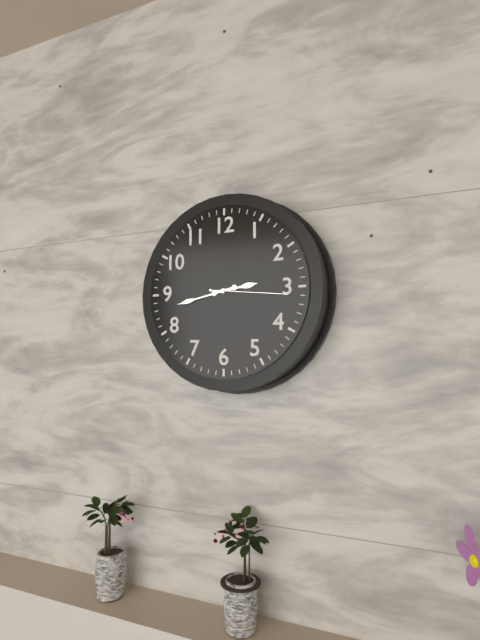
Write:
2,43,16
